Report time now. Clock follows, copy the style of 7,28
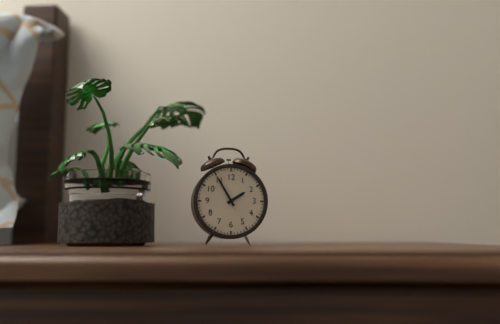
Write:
1,55
